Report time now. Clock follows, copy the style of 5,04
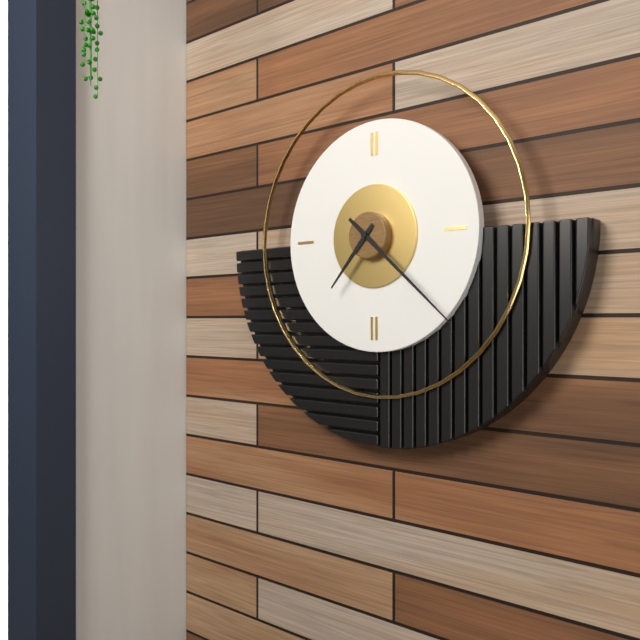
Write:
7,22
